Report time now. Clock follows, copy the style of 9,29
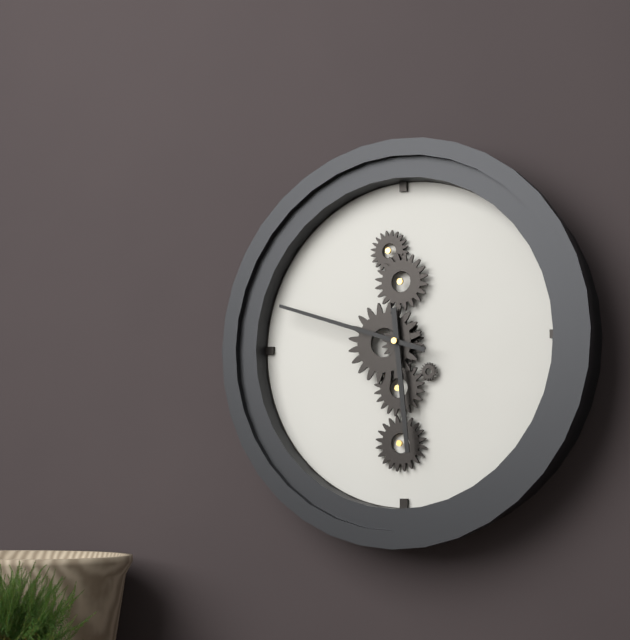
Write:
5,48
